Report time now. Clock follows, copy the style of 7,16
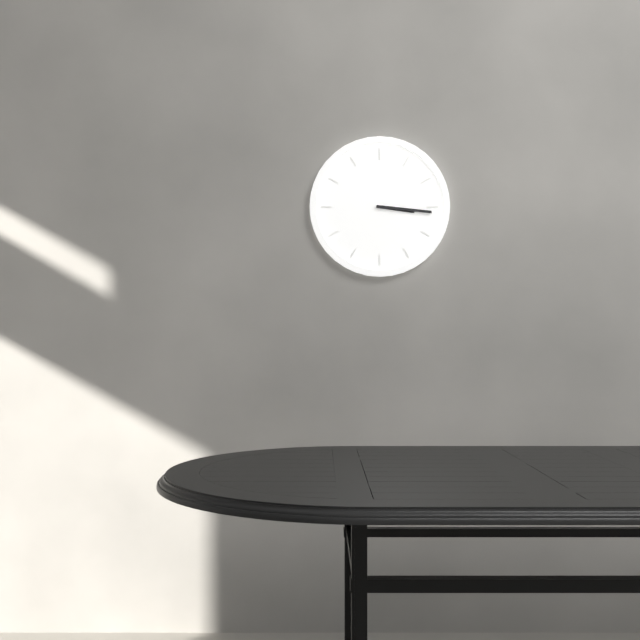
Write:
3,16
